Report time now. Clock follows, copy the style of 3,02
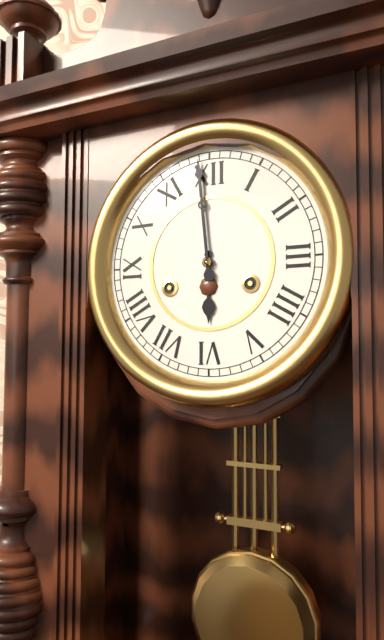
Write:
5,59
